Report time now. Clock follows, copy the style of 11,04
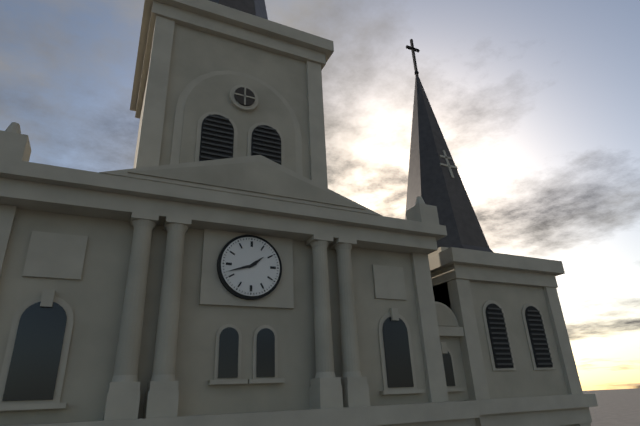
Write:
1,42
